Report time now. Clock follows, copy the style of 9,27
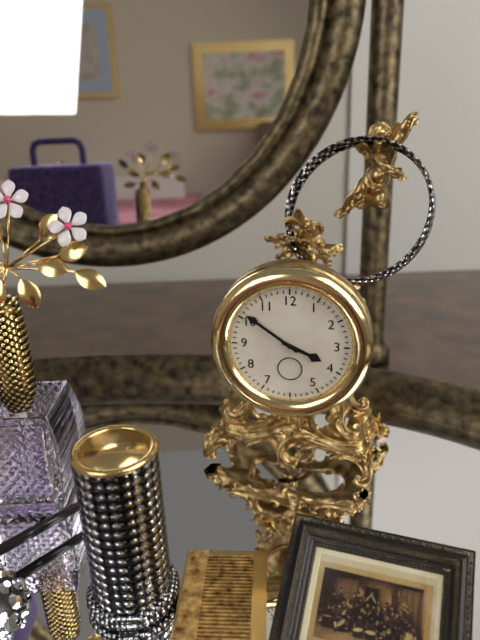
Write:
3,51
